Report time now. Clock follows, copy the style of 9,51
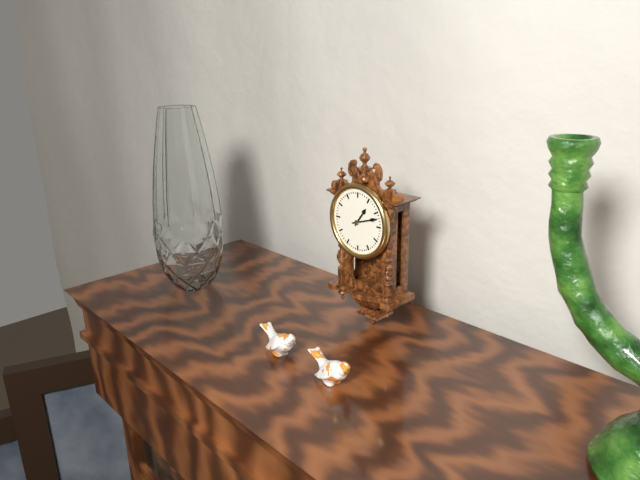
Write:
1,12
